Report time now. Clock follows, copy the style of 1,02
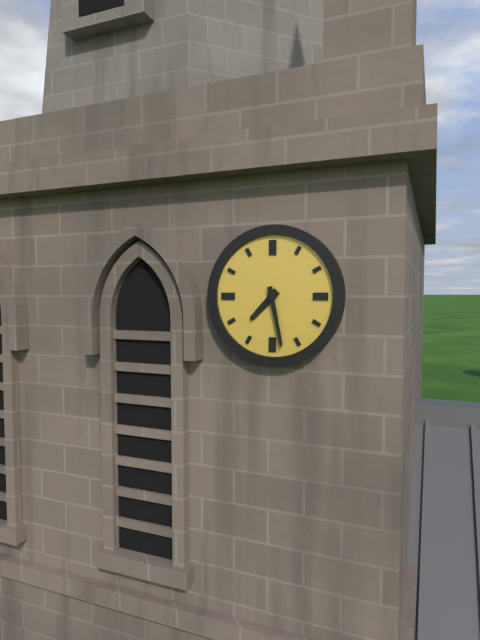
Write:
7,28
